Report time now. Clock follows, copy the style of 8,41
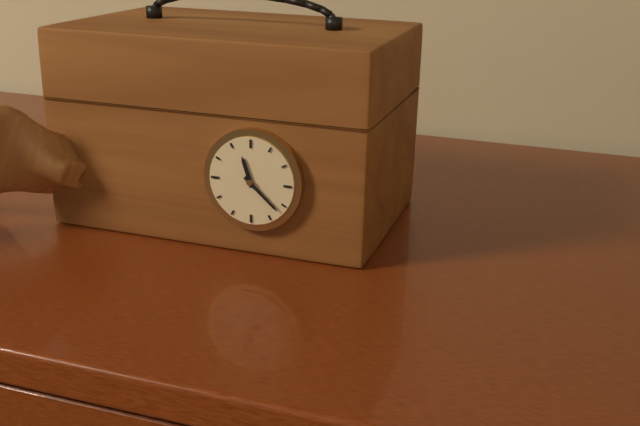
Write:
11,22
